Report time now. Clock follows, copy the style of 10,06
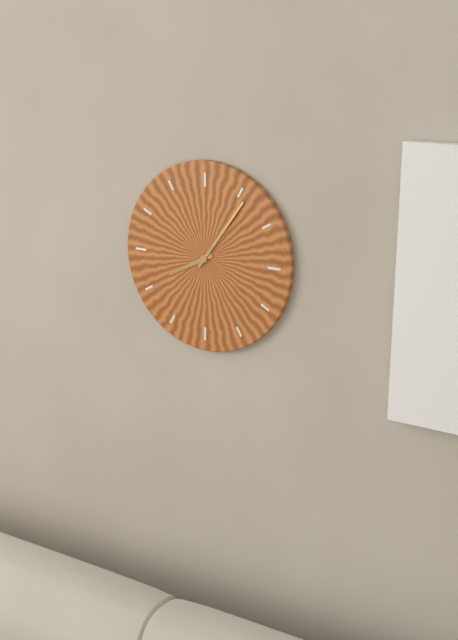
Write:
8,06
